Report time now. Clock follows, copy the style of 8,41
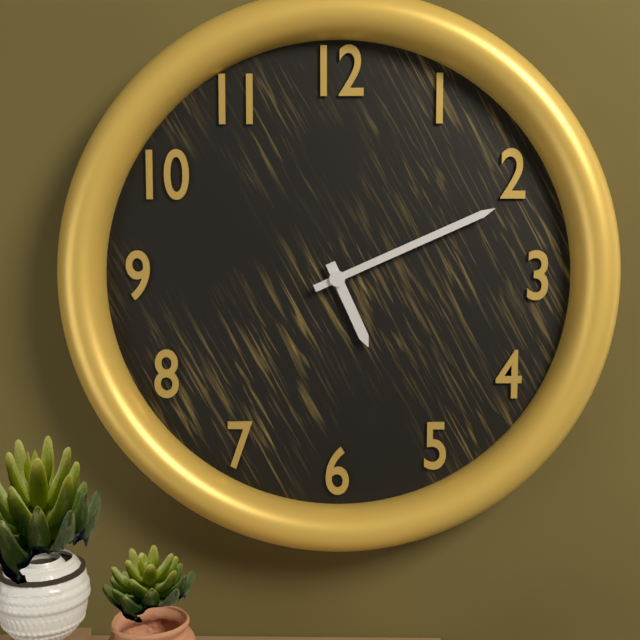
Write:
5,11
